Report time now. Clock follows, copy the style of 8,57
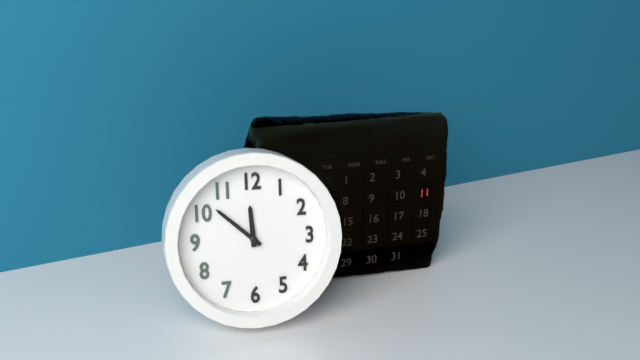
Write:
11,52
